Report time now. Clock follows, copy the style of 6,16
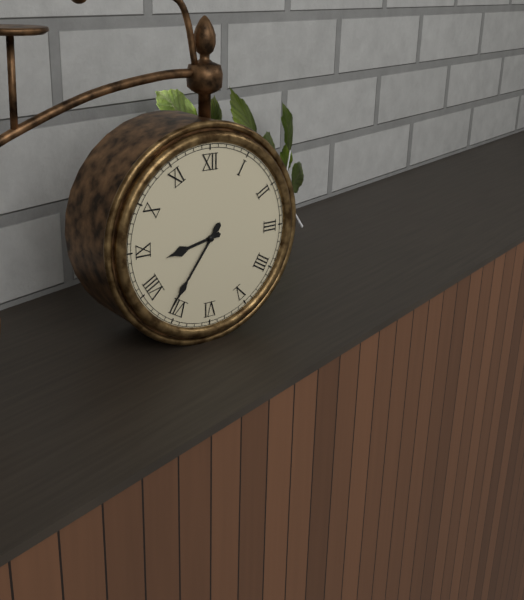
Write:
8,36
